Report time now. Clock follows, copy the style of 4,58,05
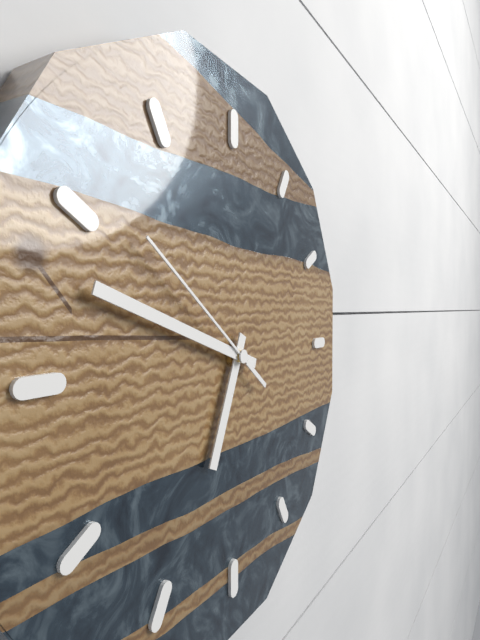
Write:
6,48,51
